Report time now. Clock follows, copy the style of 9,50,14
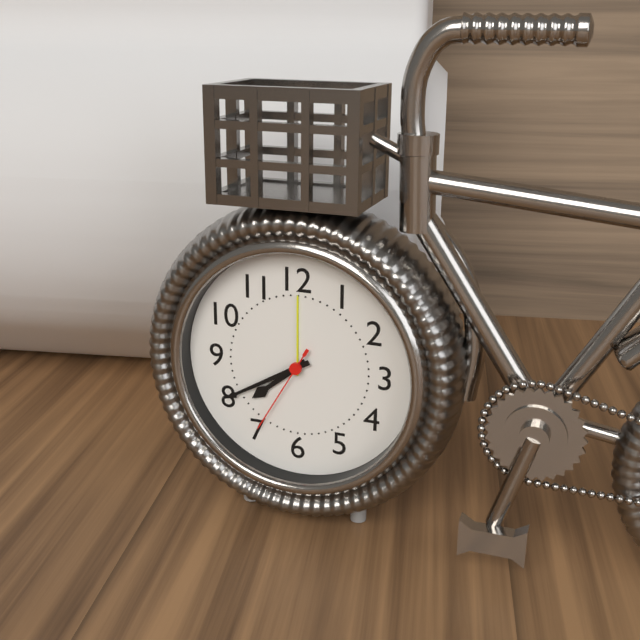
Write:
7,40,35
